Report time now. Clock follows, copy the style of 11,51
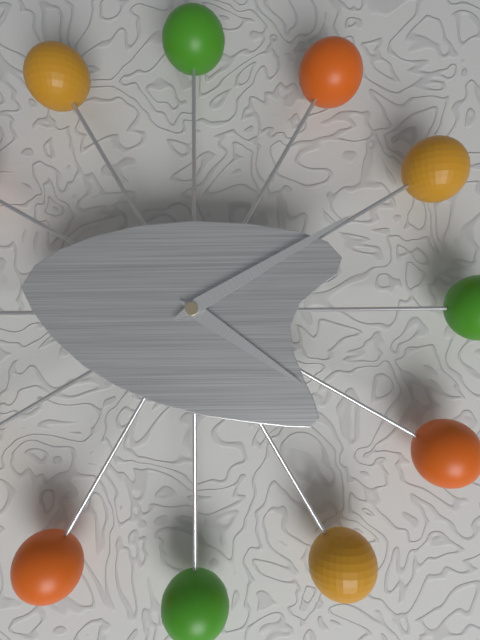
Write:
4,10
